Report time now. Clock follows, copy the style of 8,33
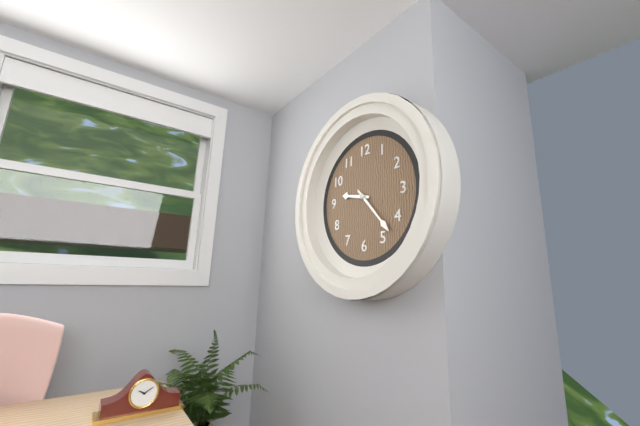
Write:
9,23
